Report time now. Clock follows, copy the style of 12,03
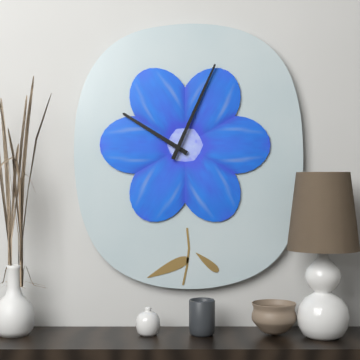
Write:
10,04
